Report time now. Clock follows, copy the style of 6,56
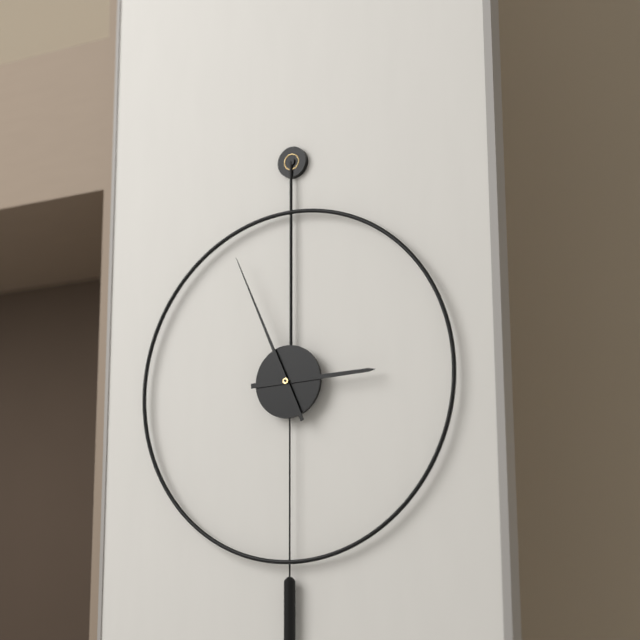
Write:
2,56
